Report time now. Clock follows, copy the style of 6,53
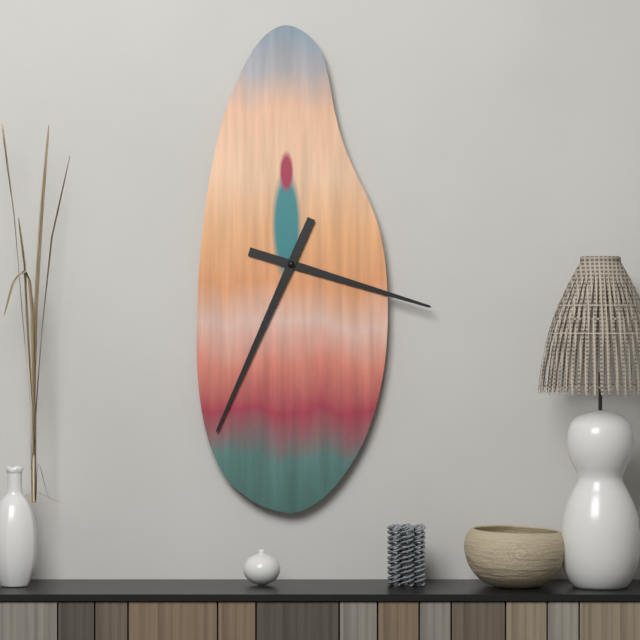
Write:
3,34
